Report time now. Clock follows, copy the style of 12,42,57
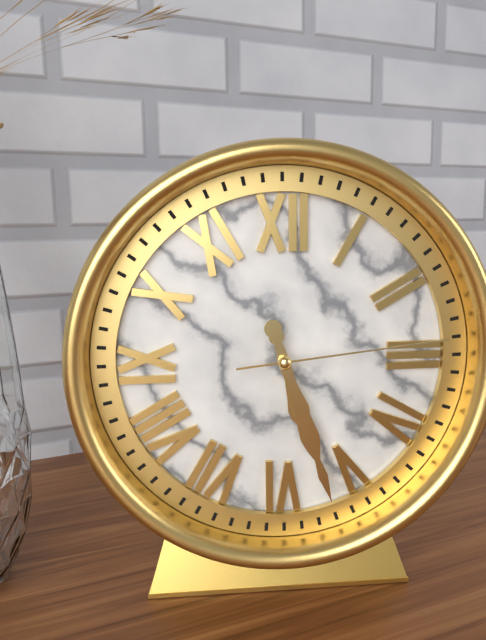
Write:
5,27,14
